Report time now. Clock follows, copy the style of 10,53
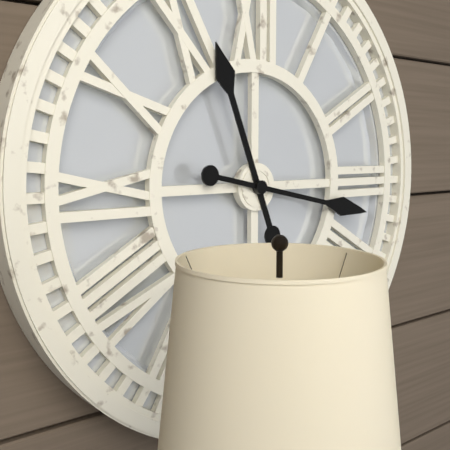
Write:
11,17
